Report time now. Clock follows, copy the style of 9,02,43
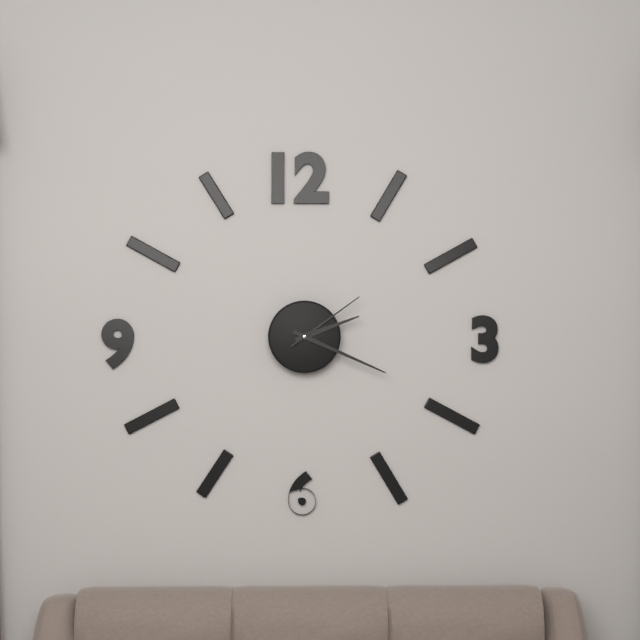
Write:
2,19,09
